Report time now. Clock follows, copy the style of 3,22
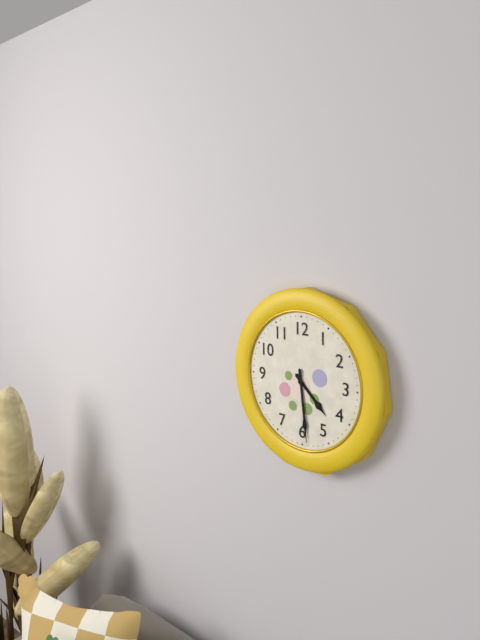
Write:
4,29
